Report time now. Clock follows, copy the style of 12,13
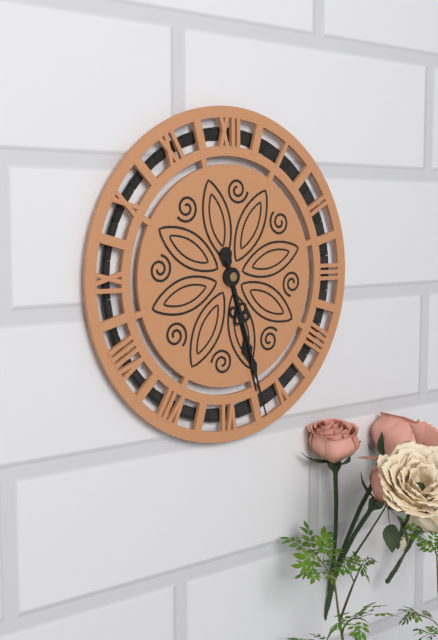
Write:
5,27
